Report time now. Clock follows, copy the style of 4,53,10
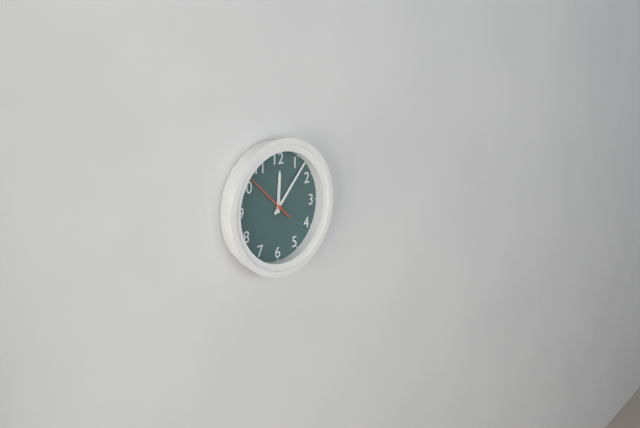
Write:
12,07,52
